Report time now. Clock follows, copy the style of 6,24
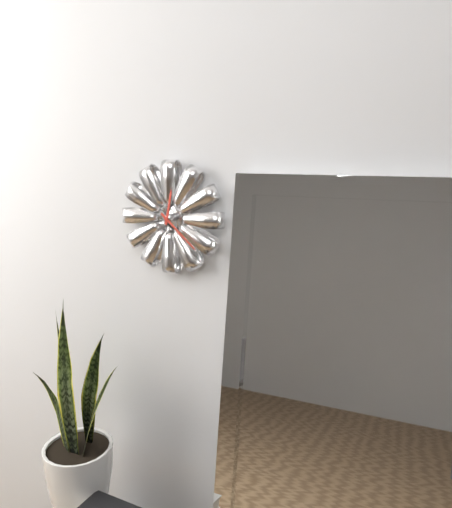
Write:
12,22
